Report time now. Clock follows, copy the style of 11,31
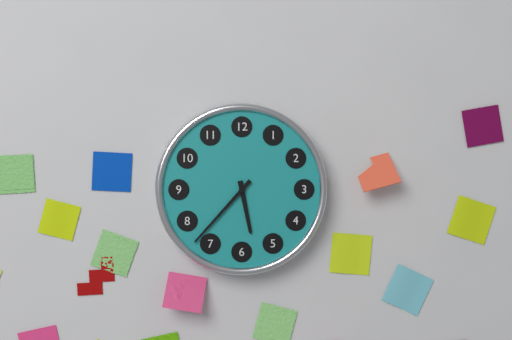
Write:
5,37
